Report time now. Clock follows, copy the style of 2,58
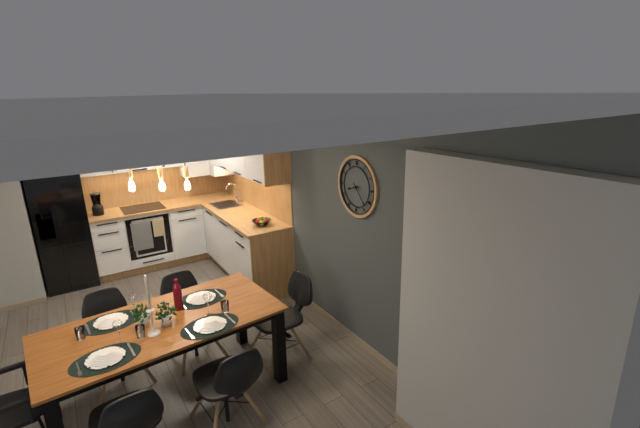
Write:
8,23
